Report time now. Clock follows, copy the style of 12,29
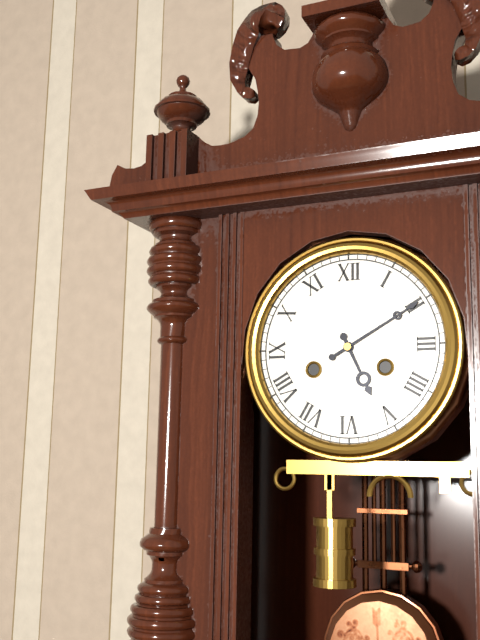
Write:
5,10
